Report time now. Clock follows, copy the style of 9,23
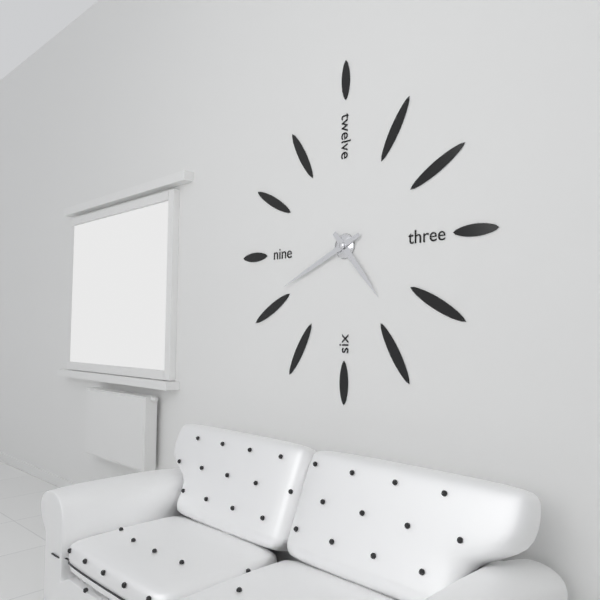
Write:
4,41
